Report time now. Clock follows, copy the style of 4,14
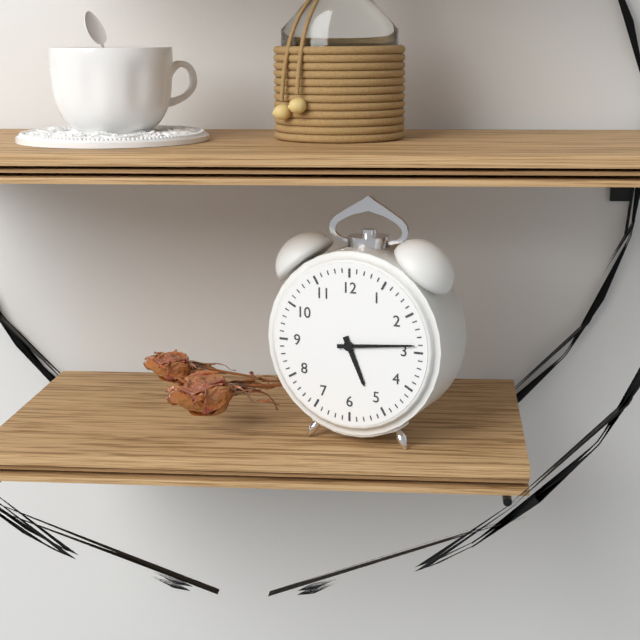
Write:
5,14
